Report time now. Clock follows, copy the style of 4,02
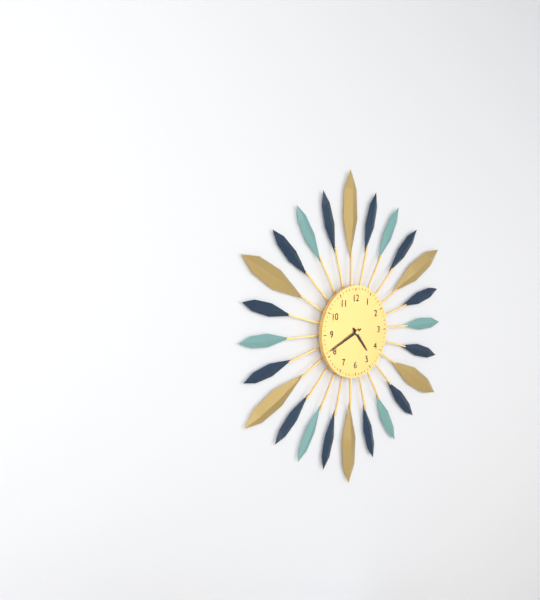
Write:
4,41
